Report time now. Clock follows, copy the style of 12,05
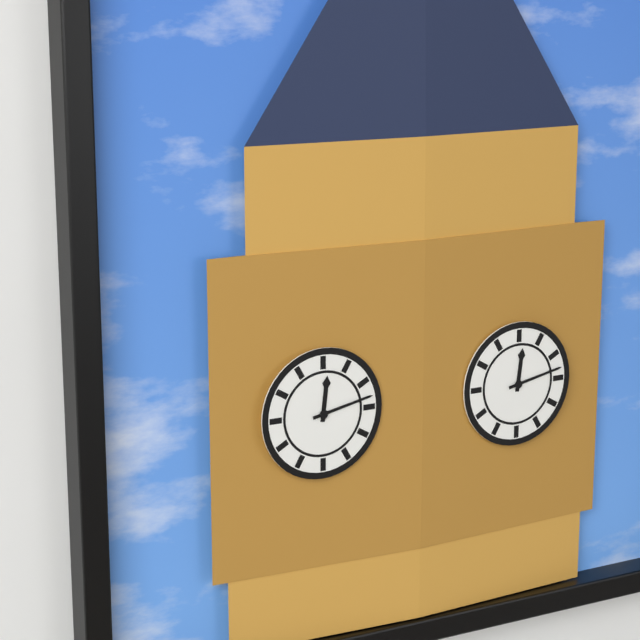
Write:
12,13
